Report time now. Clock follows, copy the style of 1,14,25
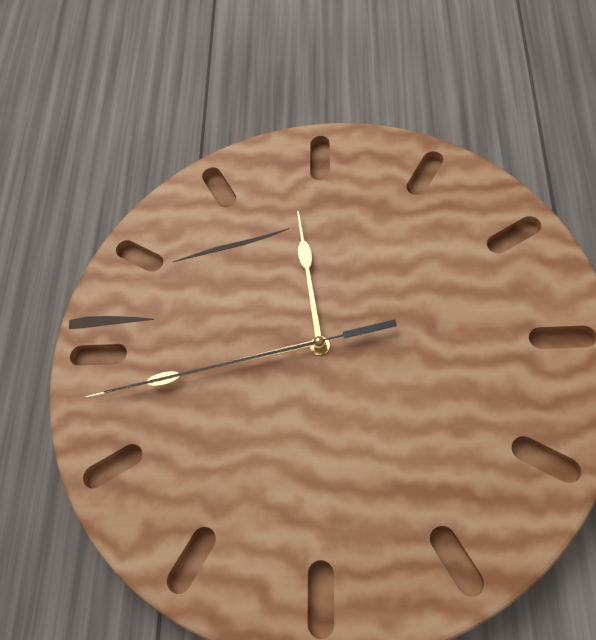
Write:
11,43,43
